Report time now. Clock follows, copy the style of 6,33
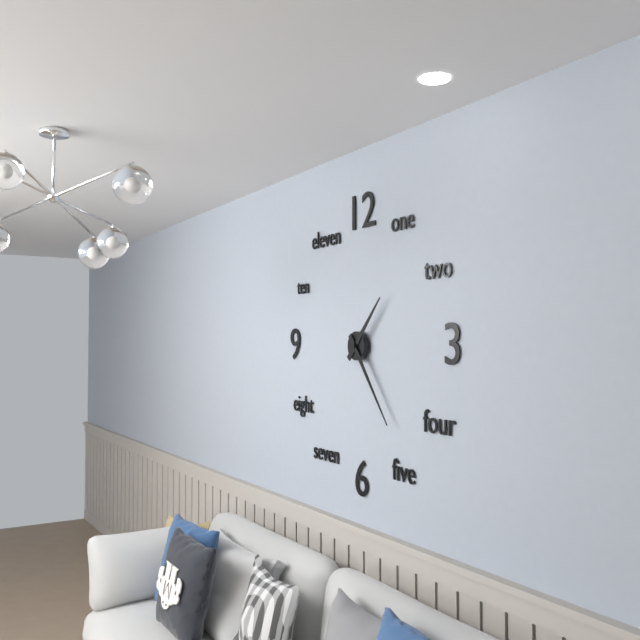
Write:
1,24
